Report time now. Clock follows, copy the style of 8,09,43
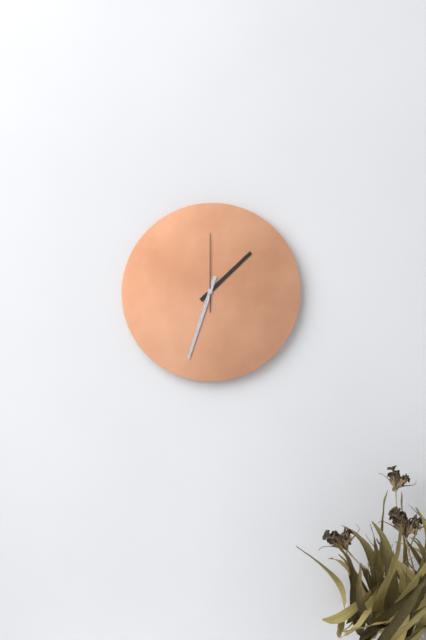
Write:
1,33,00
